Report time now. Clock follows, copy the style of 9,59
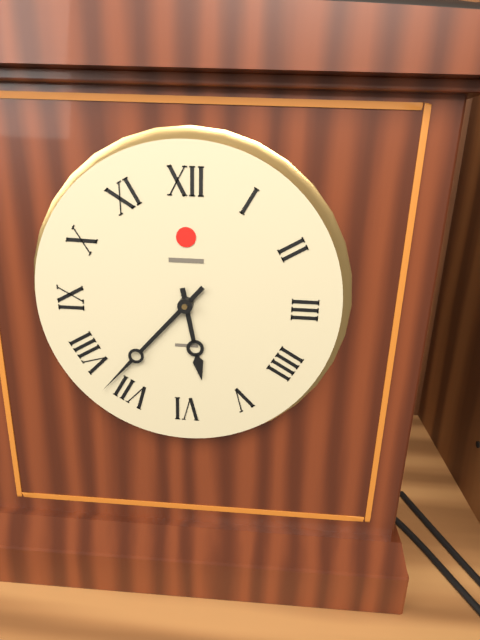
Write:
5,37
